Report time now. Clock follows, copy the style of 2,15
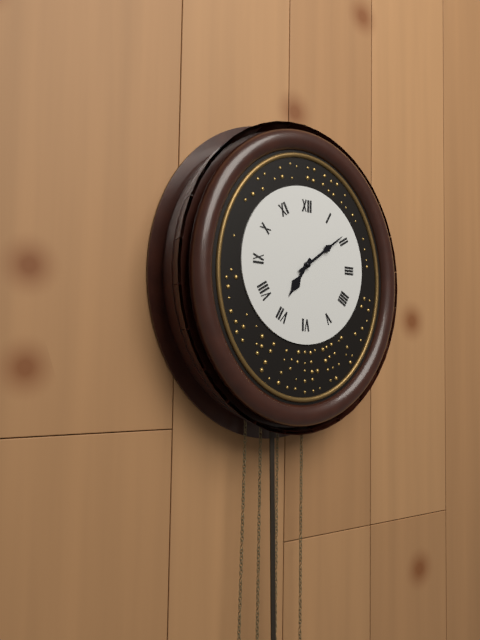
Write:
7,09
